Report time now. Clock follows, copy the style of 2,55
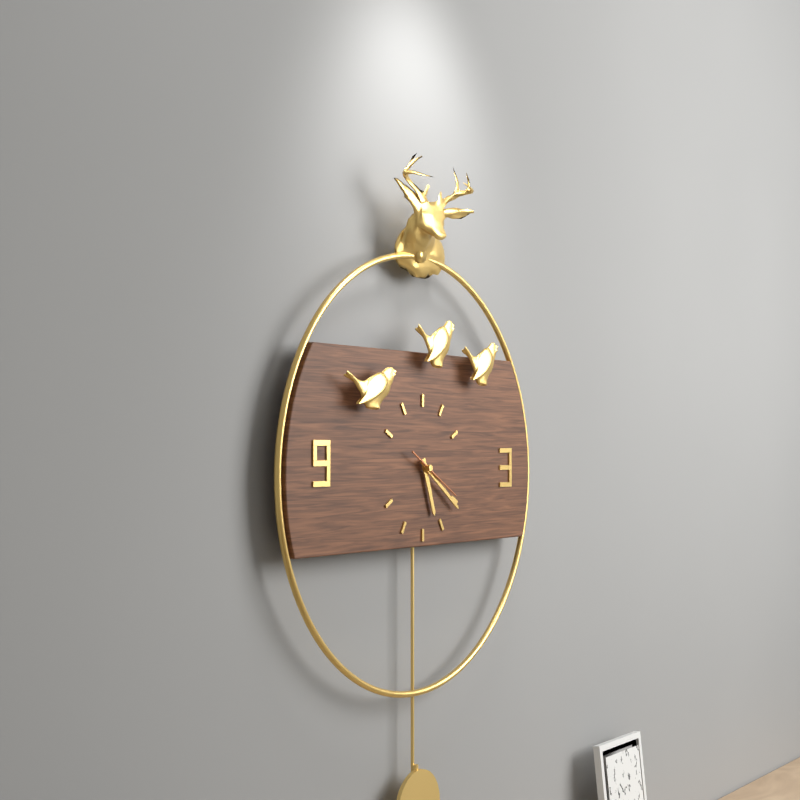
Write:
5,21
